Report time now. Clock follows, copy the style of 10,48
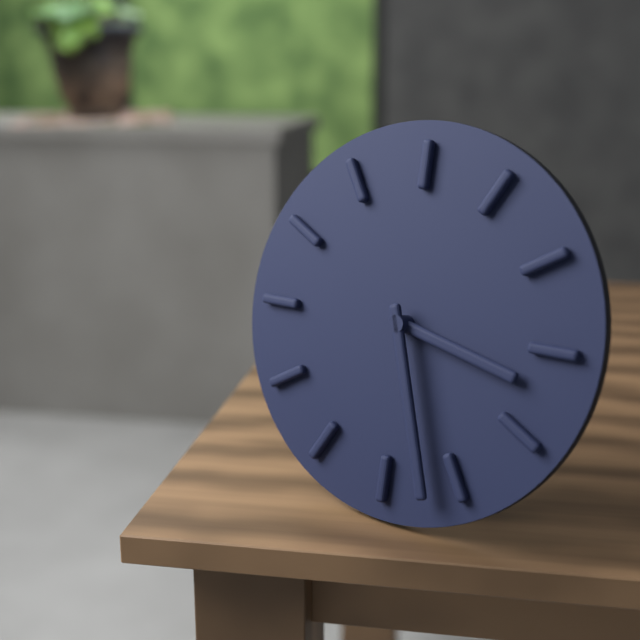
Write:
3,27
